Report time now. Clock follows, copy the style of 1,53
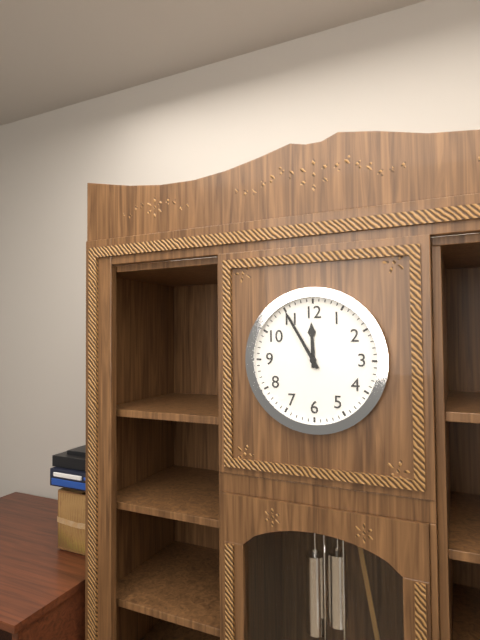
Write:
11,55
